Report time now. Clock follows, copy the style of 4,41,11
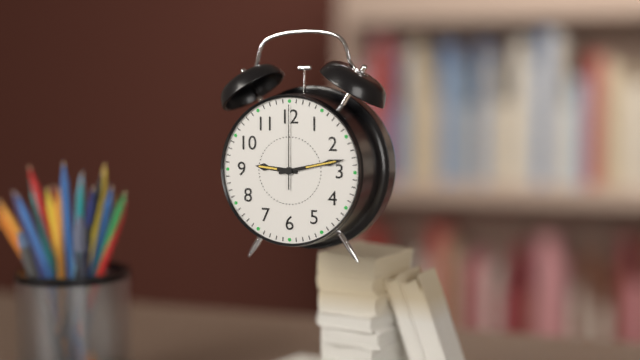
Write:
9,13,00
